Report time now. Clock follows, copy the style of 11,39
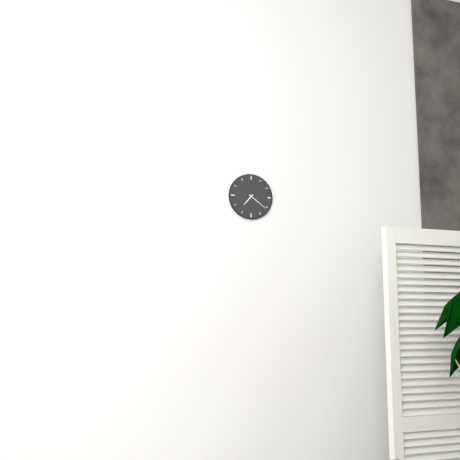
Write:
7,21
